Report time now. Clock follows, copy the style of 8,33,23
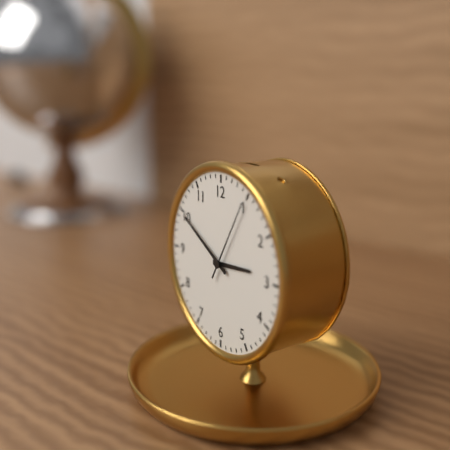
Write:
2,50,05
